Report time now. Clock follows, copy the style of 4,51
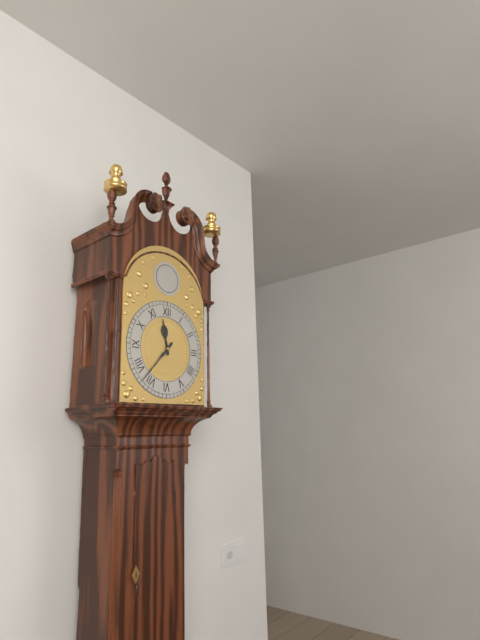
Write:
11,37
